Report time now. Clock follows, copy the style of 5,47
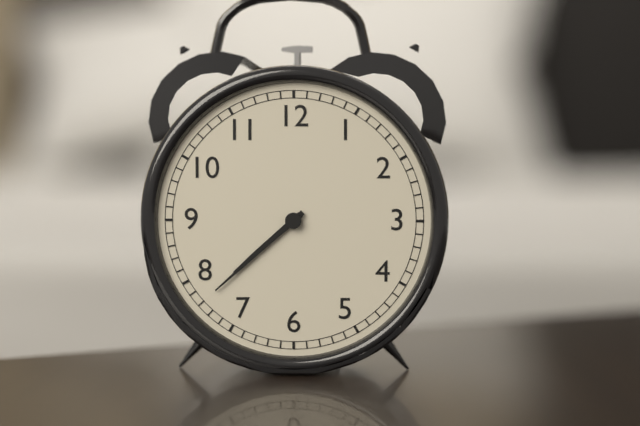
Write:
7,38
